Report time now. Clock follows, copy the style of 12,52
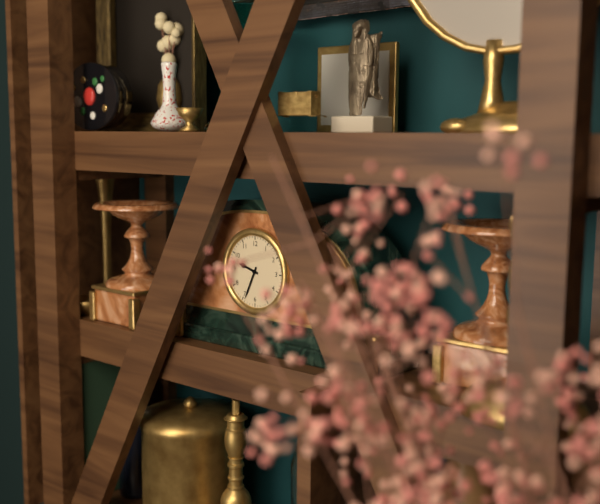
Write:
9,34
